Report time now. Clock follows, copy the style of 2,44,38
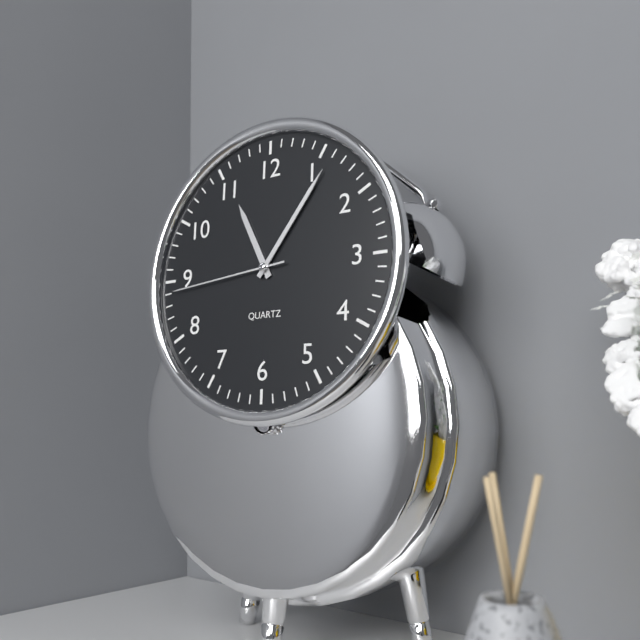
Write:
11,06,44
